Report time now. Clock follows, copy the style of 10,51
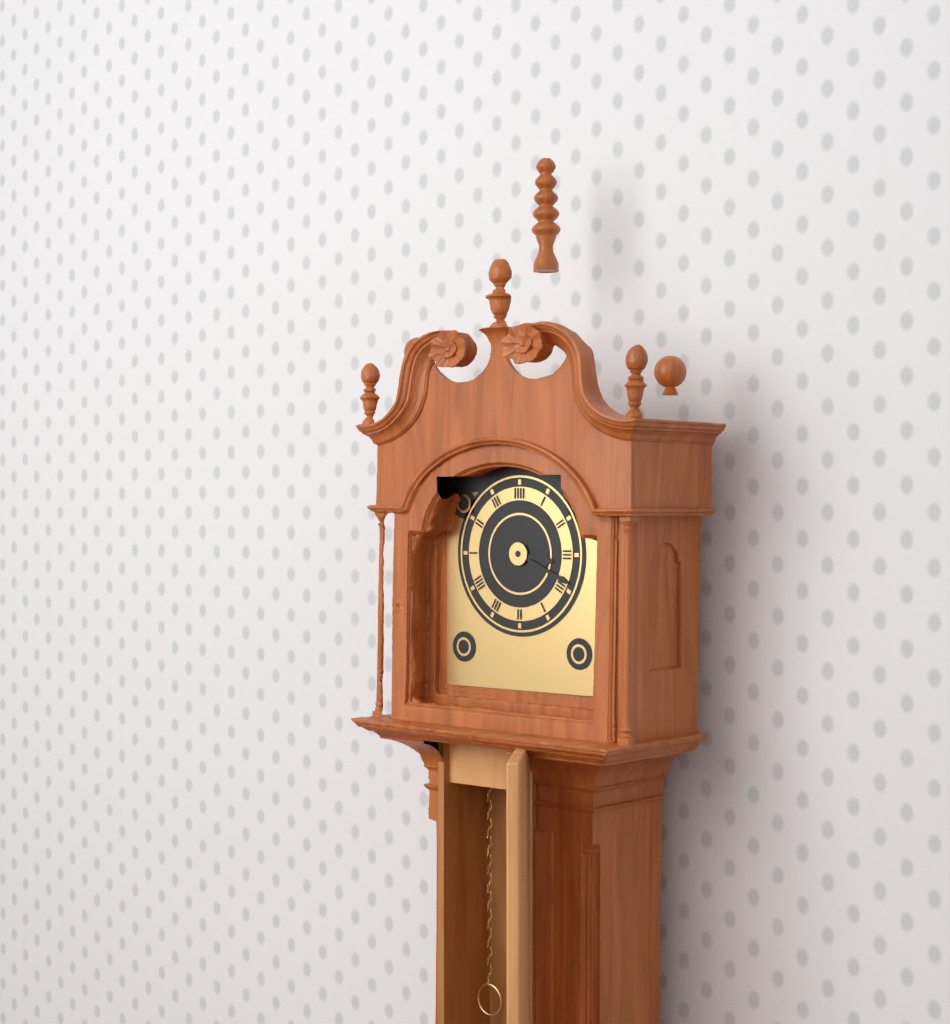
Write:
3,19
